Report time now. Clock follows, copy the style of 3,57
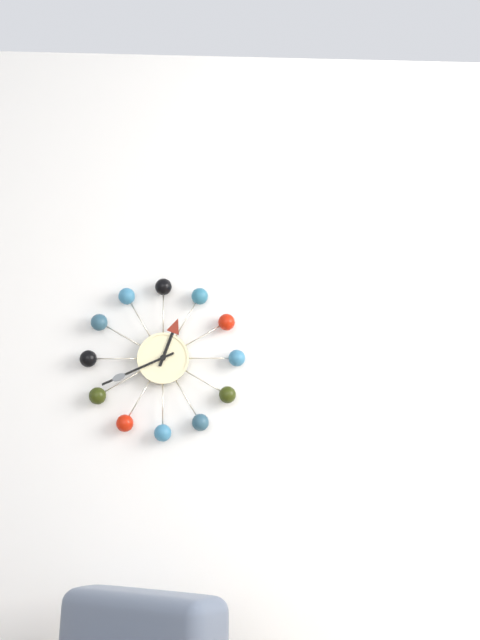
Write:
12,41
